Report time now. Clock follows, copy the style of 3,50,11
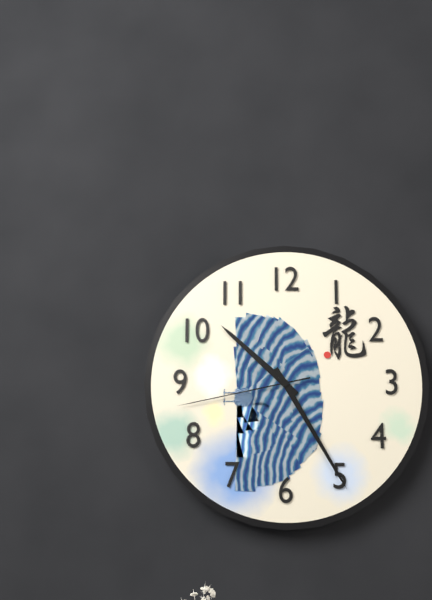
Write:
10,25,43
